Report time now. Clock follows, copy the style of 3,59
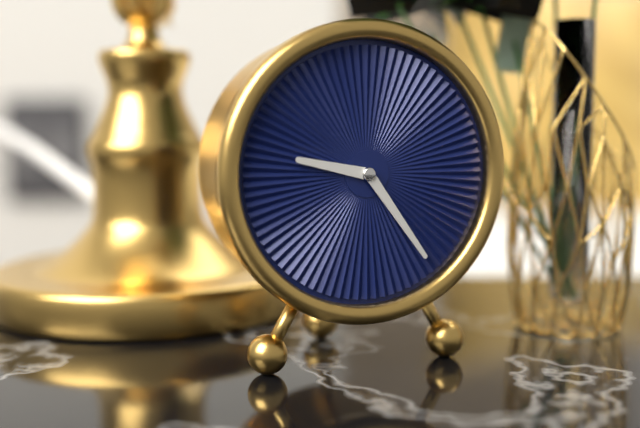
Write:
9,24
